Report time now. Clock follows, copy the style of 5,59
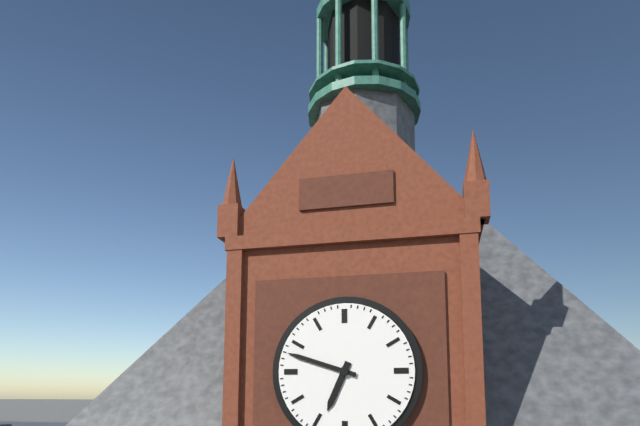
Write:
6,48
